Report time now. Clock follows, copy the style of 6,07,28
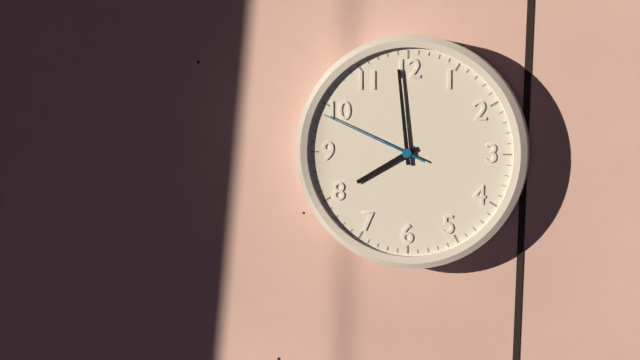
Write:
7,59,49
